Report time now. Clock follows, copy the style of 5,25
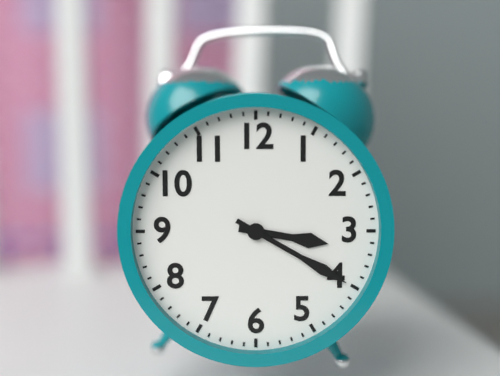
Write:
3,20
